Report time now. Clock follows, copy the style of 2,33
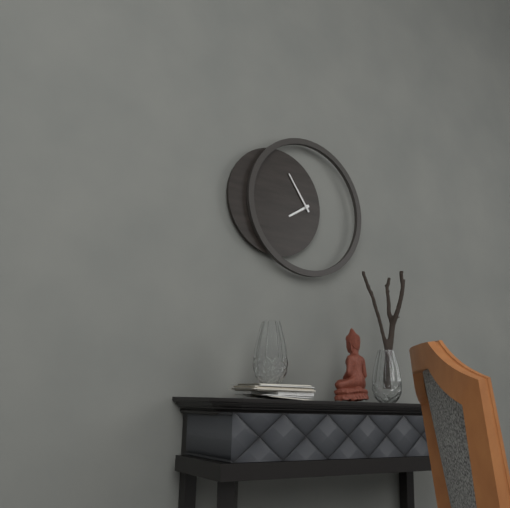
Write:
7,54
